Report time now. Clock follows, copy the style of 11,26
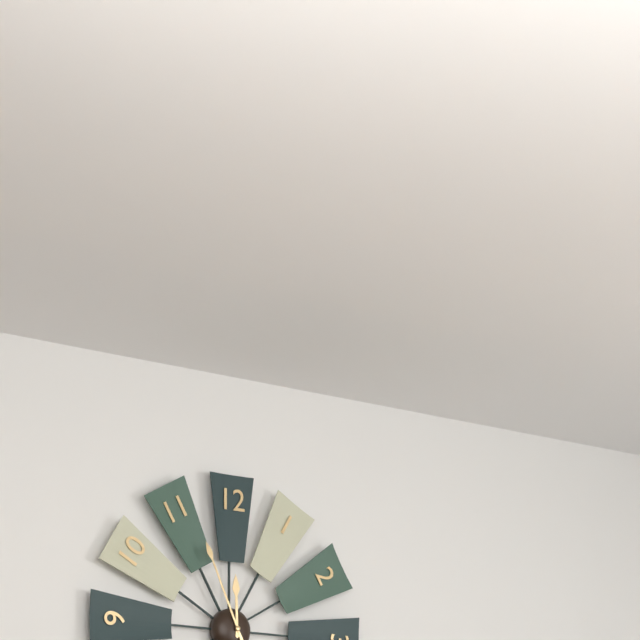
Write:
11,56
